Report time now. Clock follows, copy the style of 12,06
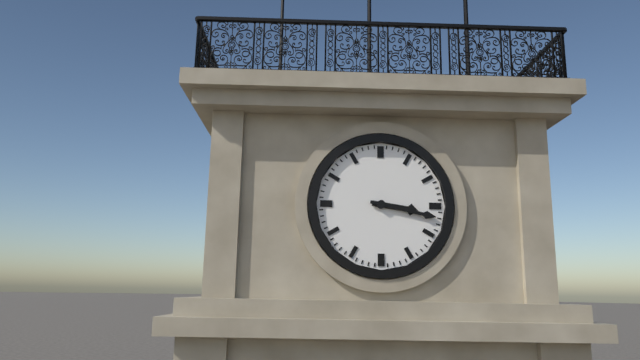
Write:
3,17
